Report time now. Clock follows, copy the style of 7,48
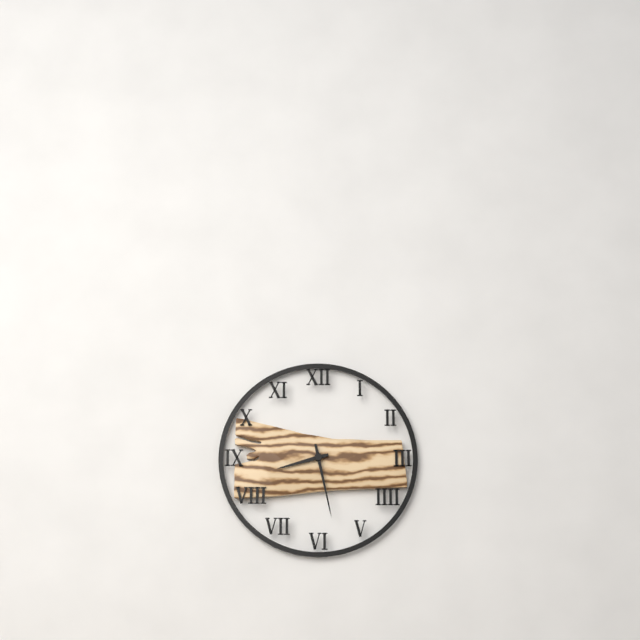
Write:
8,28
